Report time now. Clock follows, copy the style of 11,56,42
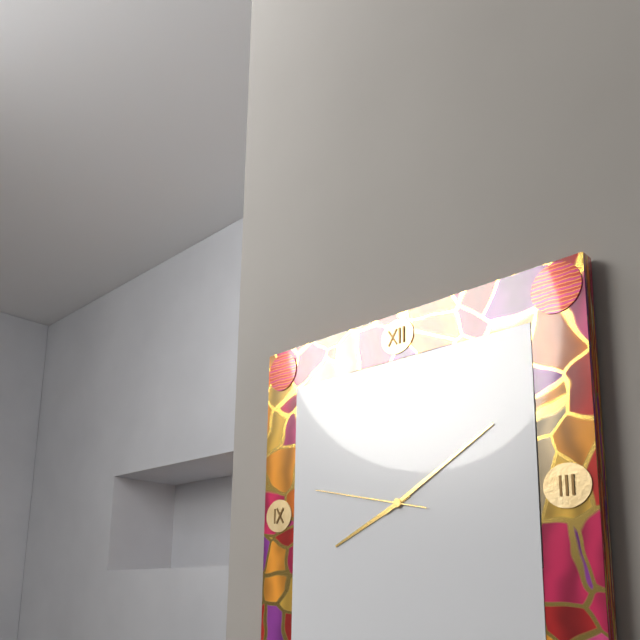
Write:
8,10,47
